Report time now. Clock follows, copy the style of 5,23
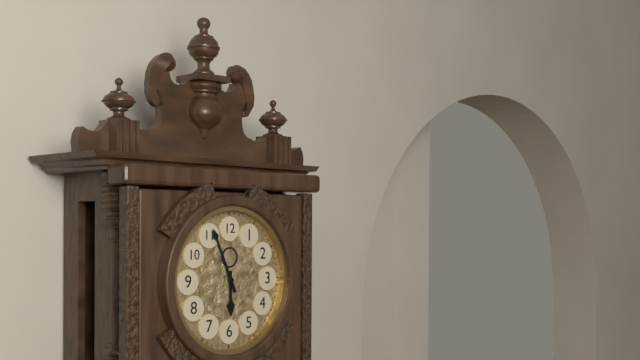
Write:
5,56
